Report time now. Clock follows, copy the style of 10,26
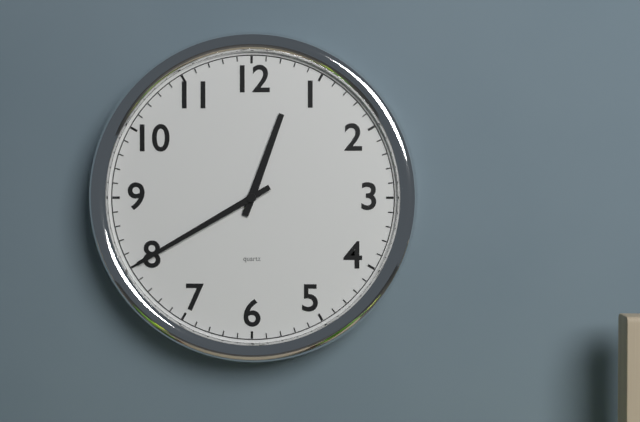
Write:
12,40
